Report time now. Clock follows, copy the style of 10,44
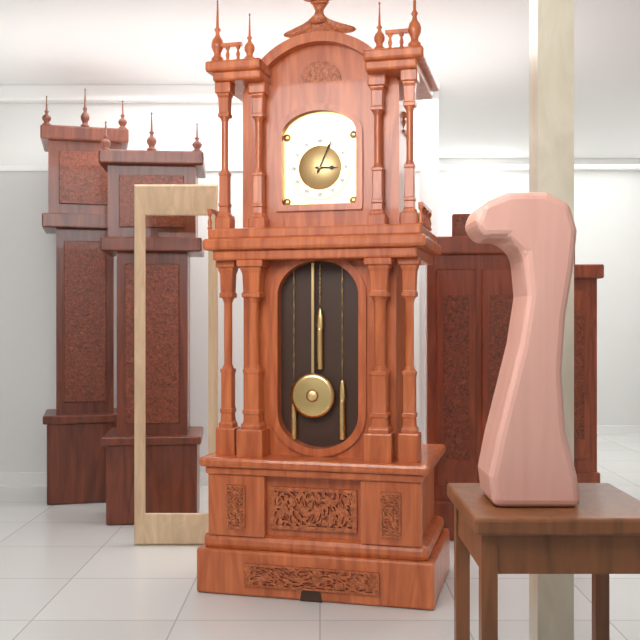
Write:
3,04
